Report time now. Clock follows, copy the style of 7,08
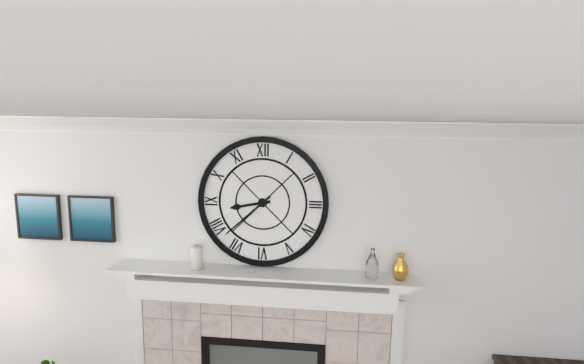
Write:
8,38
